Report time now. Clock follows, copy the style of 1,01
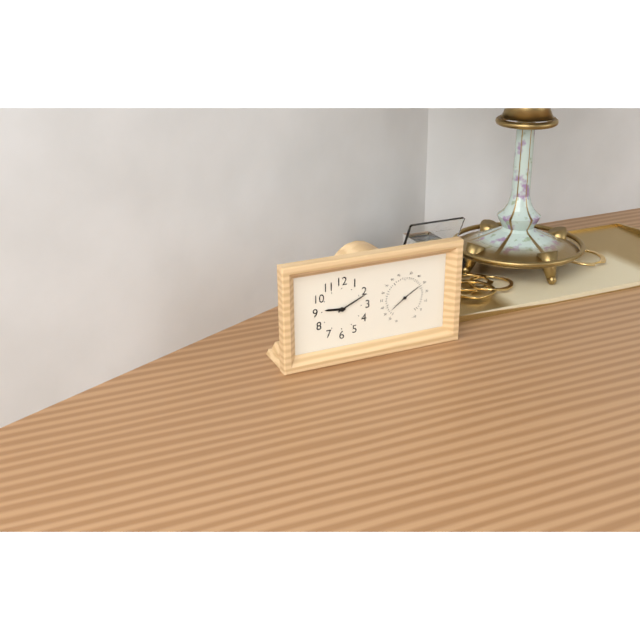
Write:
9,11
